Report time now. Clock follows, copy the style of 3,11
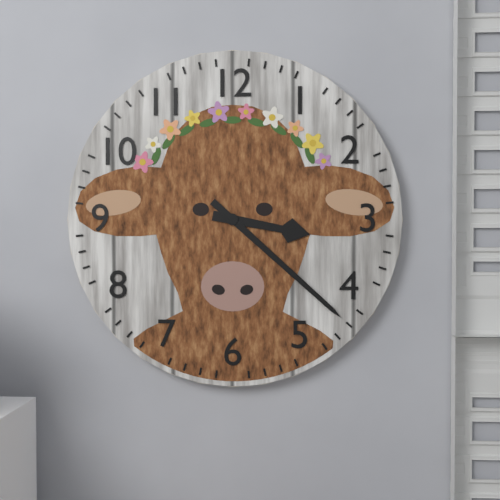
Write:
3,22
